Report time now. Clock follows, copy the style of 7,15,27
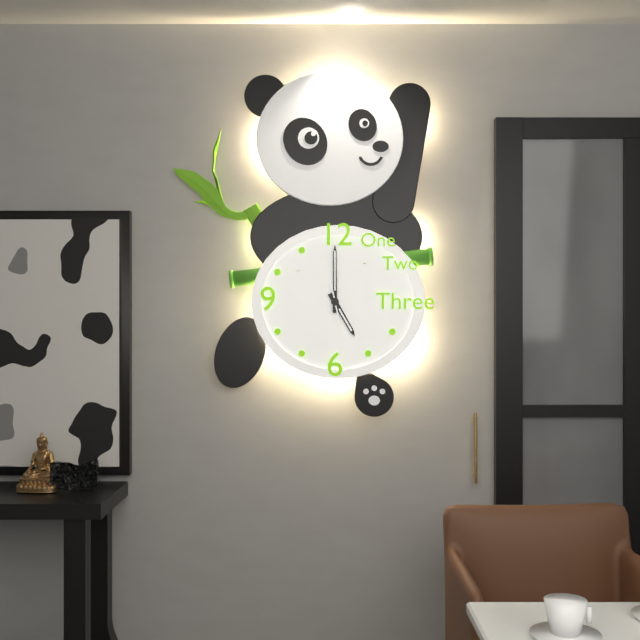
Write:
5,00,28
